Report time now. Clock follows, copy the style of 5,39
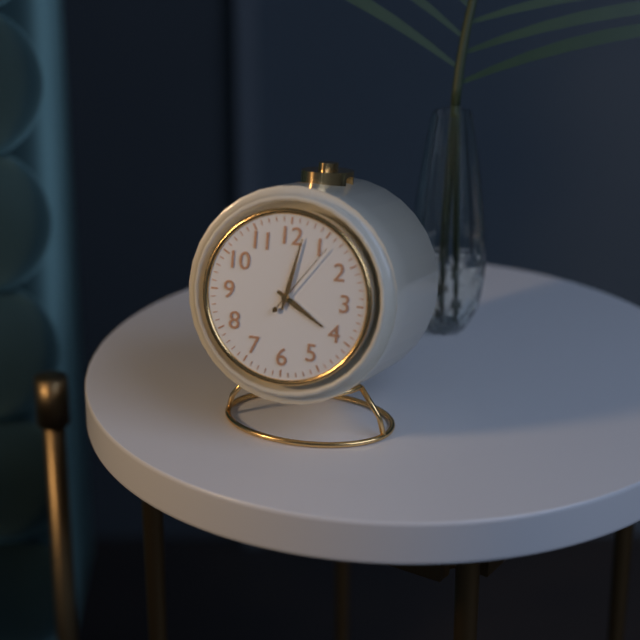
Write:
4,02
